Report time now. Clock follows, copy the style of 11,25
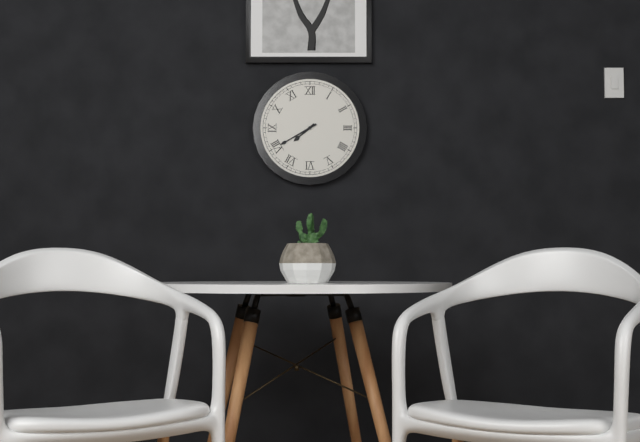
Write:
7,40
